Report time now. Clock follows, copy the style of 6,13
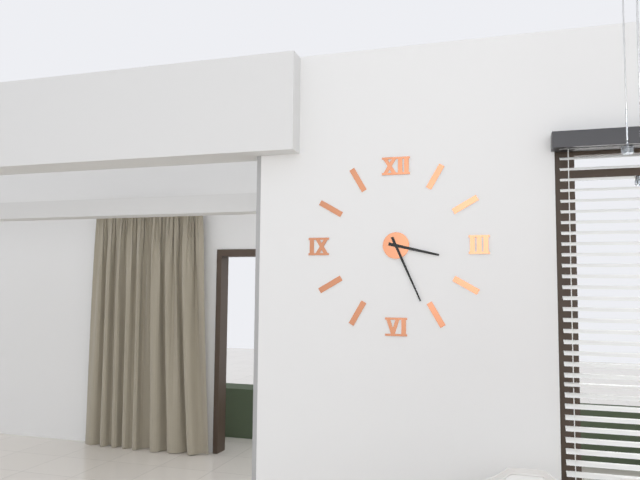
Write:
3,26
